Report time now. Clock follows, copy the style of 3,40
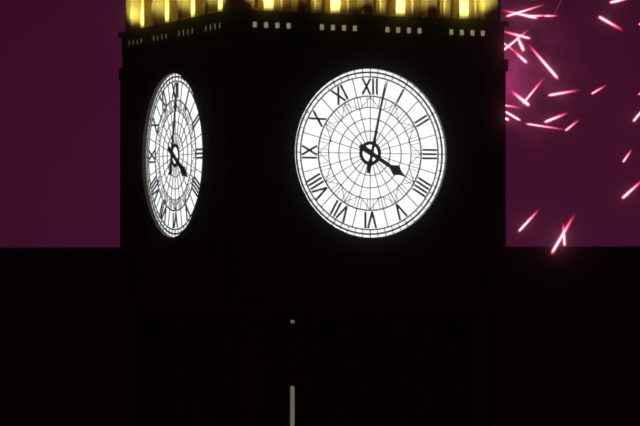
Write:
4,02
